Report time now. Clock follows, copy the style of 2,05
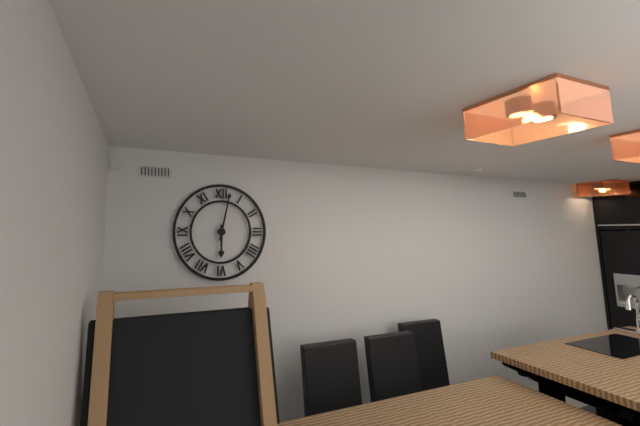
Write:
6,02
